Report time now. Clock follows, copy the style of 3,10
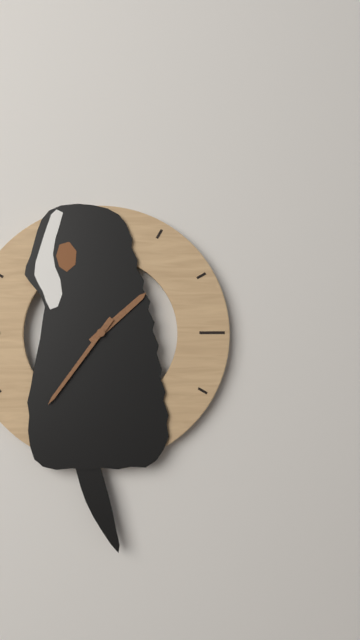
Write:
1,36
